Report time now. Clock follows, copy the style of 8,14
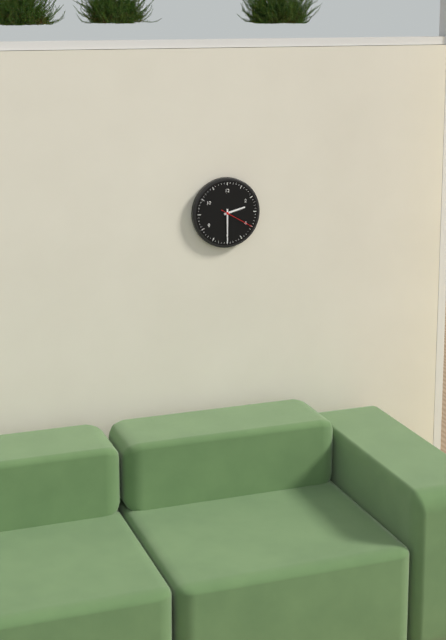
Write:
2,30
